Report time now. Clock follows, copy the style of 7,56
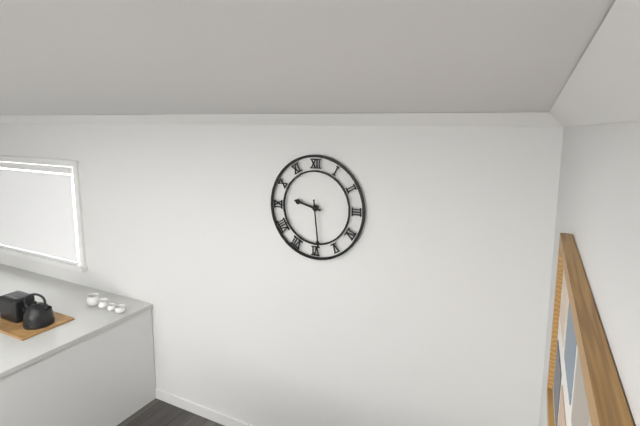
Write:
9,29
